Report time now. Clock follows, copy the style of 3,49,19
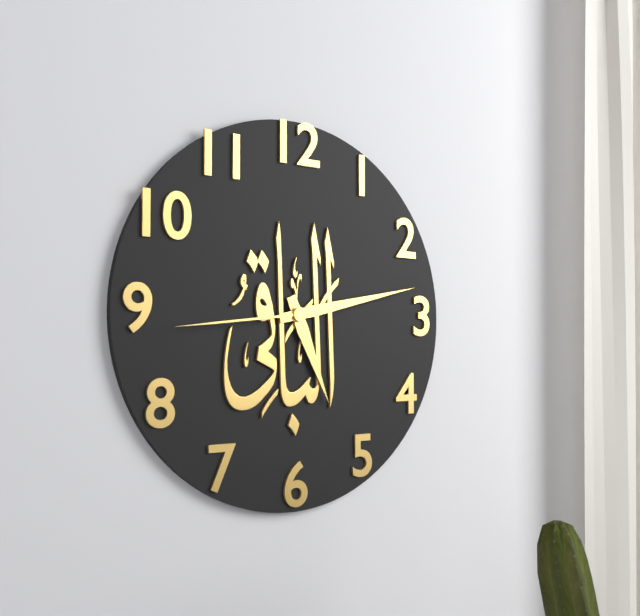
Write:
5,13,44
